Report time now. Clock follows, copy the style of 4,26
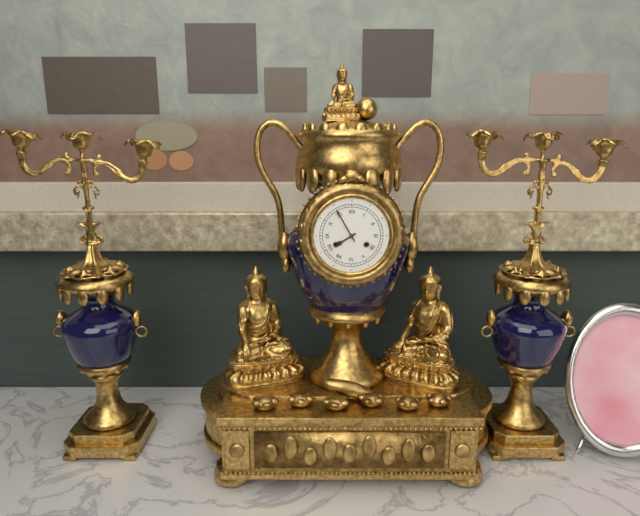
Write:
7,55
